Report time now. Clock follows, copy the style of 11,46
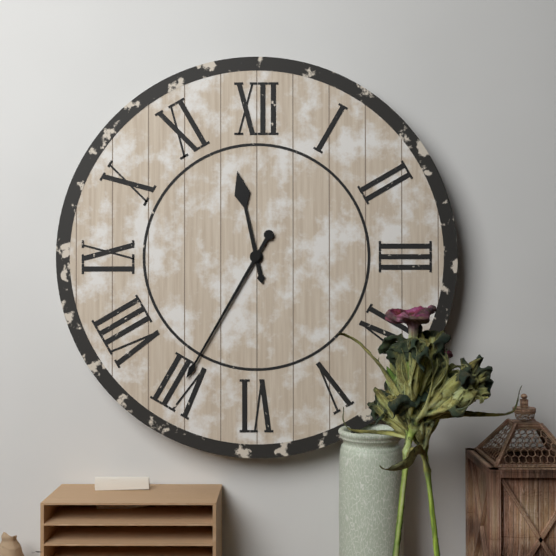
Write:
11,35
